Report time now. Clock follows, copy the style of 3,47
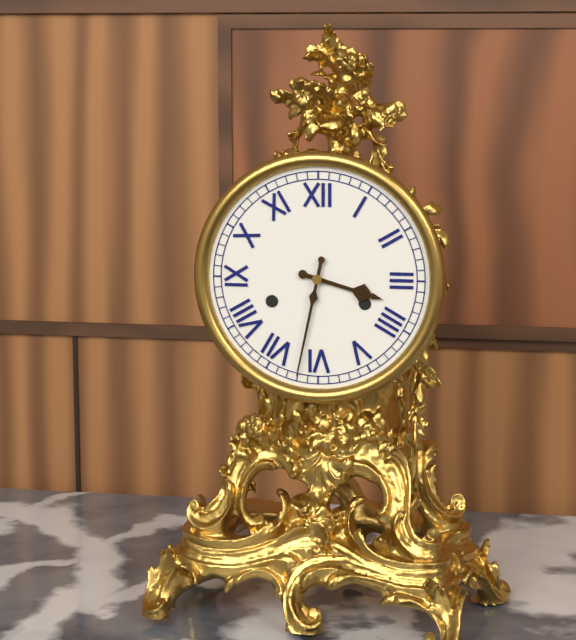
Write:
3,32
